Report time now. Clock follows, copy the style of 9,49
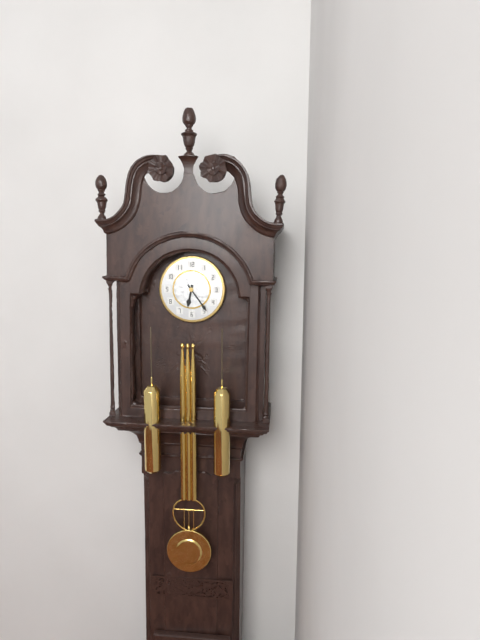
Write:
6,24
